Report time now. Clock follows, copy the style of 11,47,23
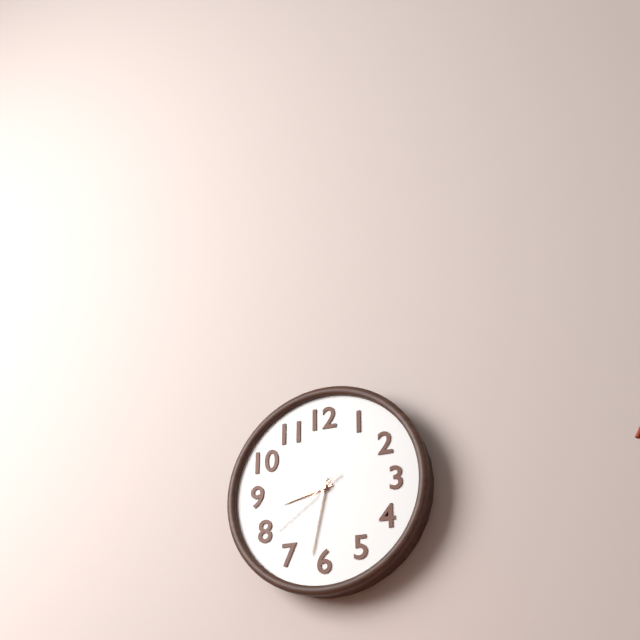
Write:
8,32,39
